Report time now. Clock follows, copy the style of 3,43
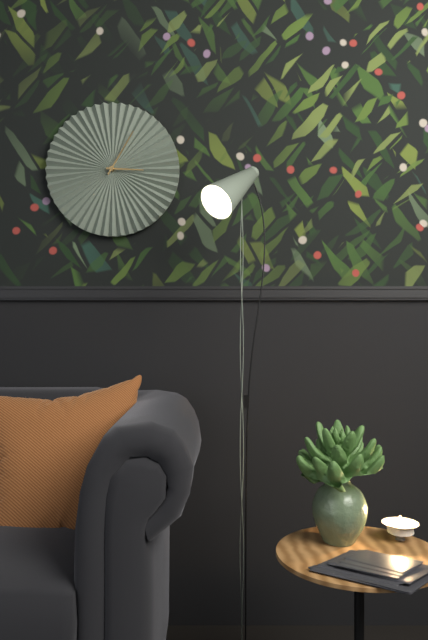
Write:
3,05
